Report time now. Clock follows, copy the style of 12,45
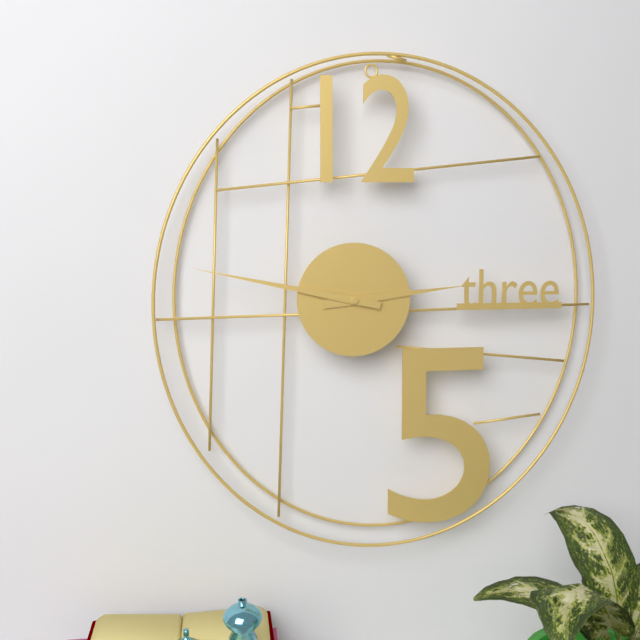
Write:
2,47
